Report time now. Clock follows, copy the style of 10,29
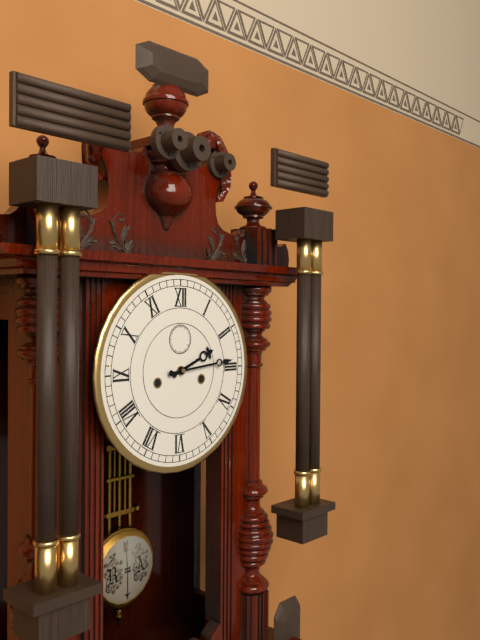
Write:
2,14
